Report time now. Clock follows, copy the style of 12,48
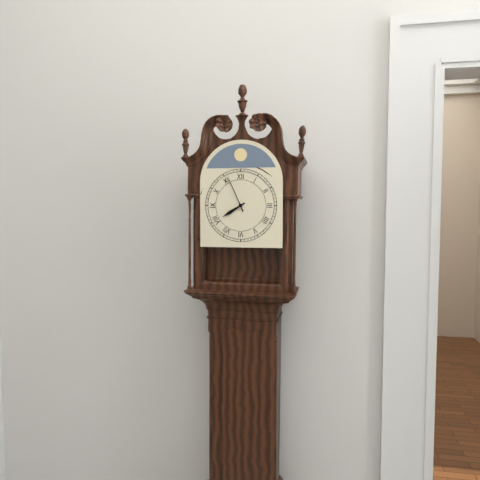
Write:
7,56
